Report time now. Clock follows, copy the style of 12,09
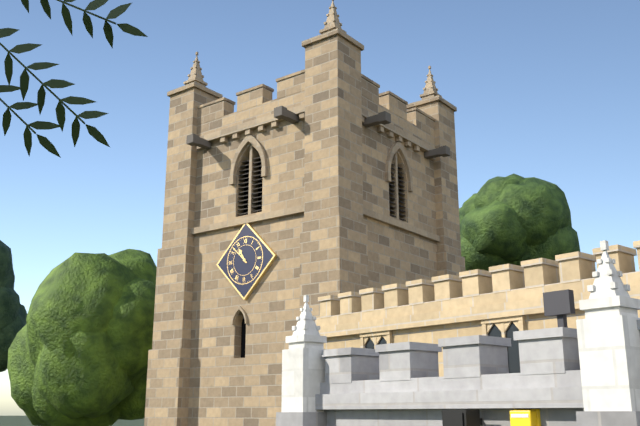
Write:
10,52
